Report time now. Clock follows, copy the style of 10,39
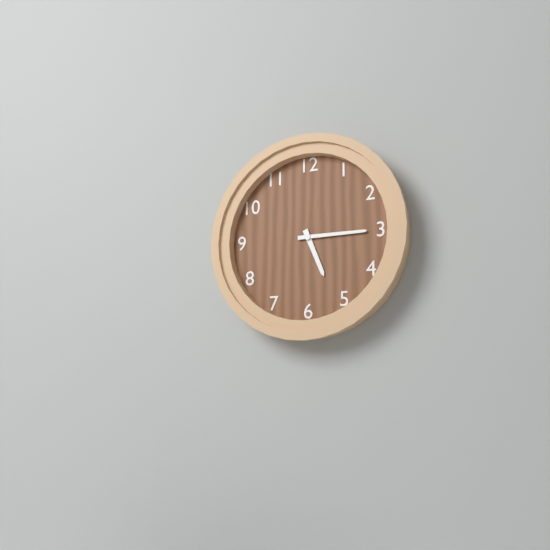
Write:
5,15
